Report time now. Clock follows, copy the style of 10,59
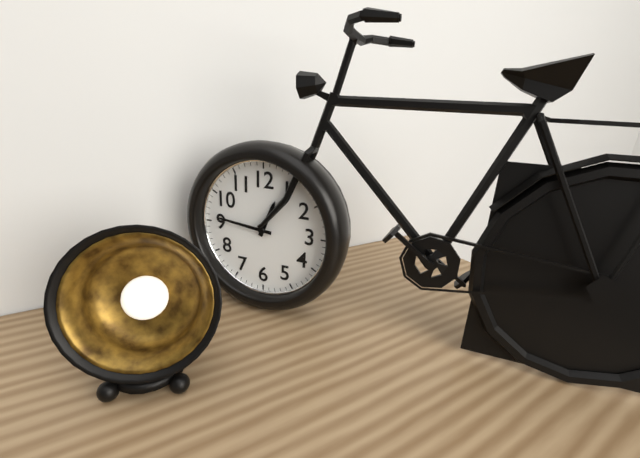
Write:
12,46
